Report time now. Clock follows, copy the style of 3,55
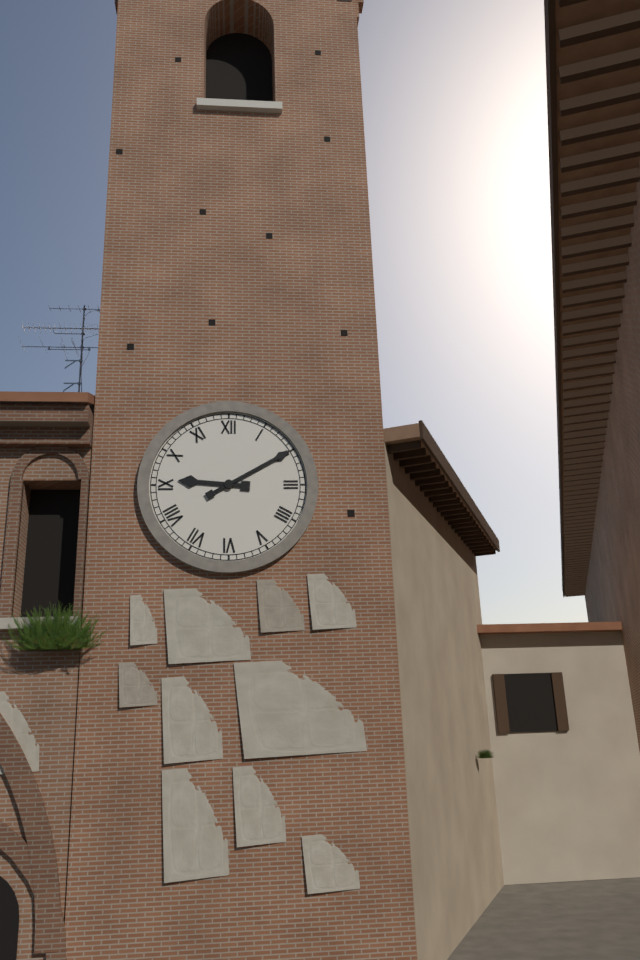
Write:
9,10
